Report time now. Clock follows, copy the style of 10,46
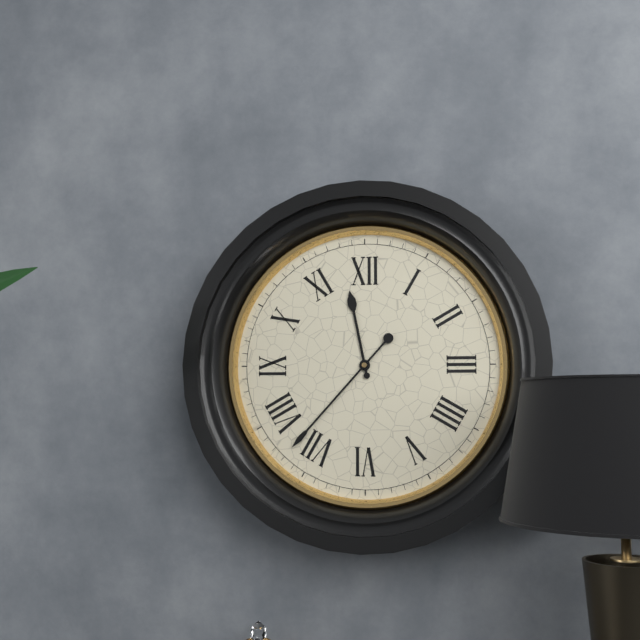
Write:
11,37
